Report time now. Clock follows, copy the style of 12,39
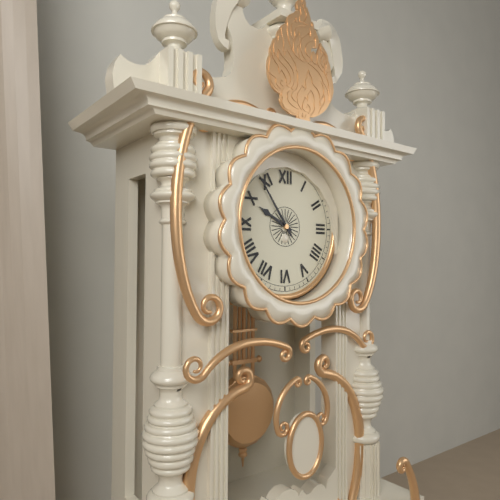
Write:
9,54
